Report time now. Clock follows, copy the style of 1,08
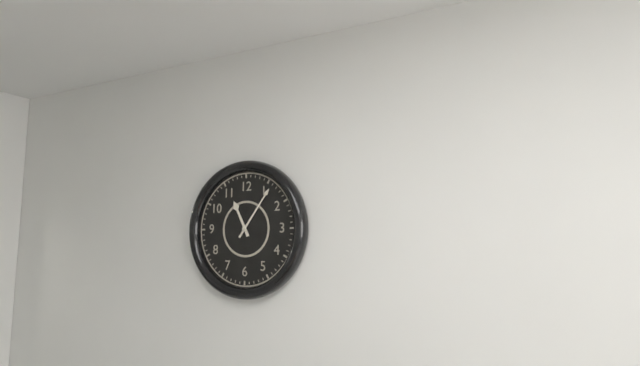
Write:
11,06
